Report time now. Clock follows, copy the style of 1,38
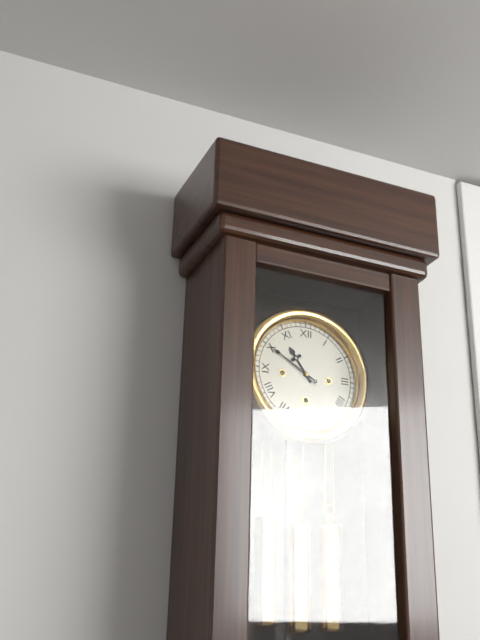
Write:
10,50
